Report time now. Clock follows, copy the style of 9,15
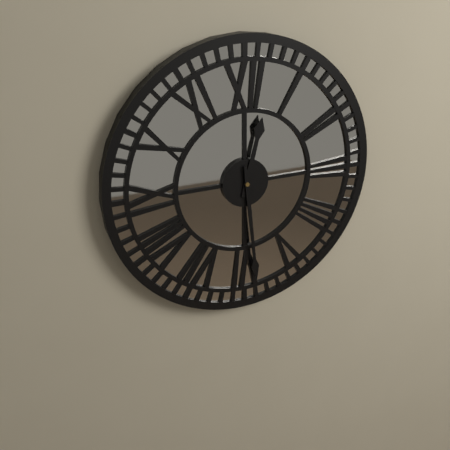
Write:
12,29
